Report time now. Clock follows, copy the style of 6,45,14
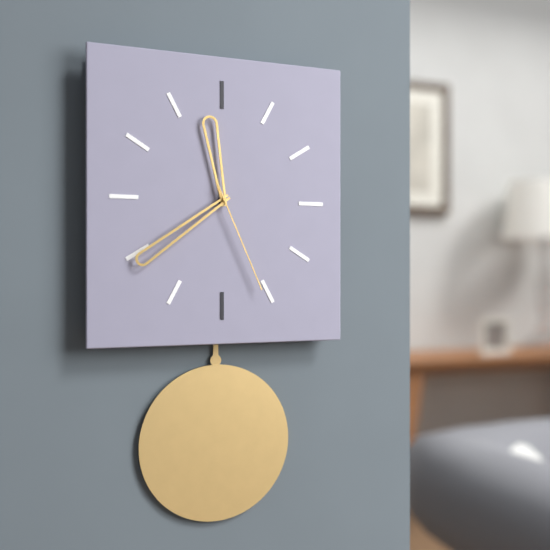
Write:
11,39,26
